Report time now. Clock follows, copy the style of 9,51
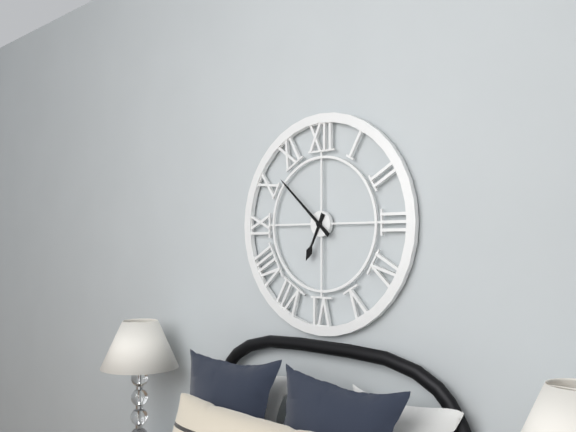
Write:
6,52
